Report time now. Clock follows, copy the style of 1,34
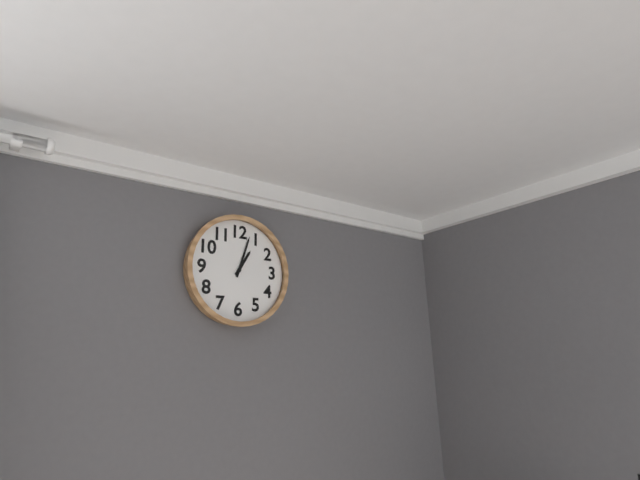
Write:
1,03
